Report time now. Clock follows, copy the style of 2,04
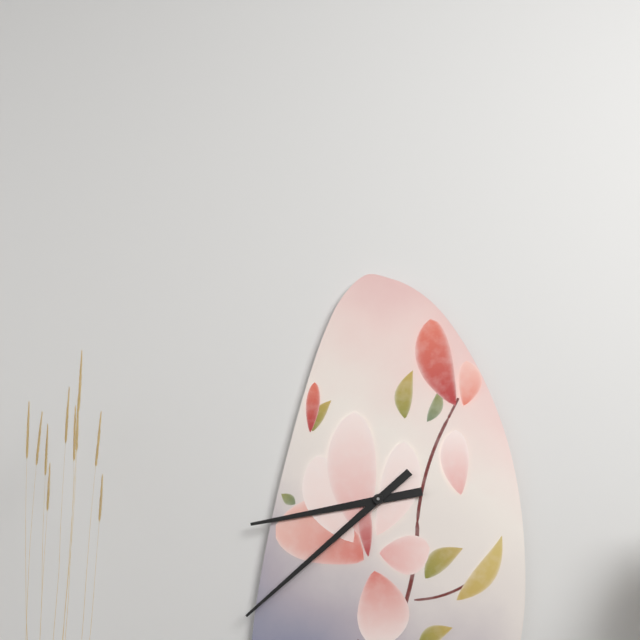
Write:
8,38
